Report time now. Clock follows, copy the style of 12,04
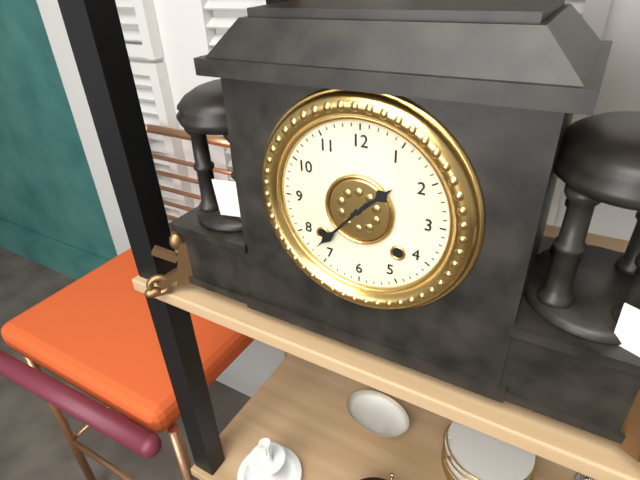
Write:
1,37
